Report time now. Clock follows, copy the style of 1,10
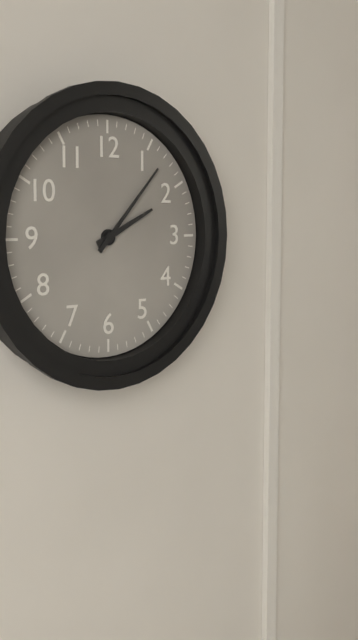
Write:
2,07
